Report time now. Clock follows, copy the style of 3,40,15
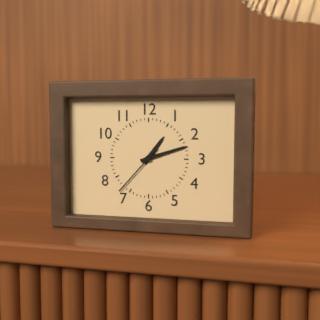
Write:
1,12,37
